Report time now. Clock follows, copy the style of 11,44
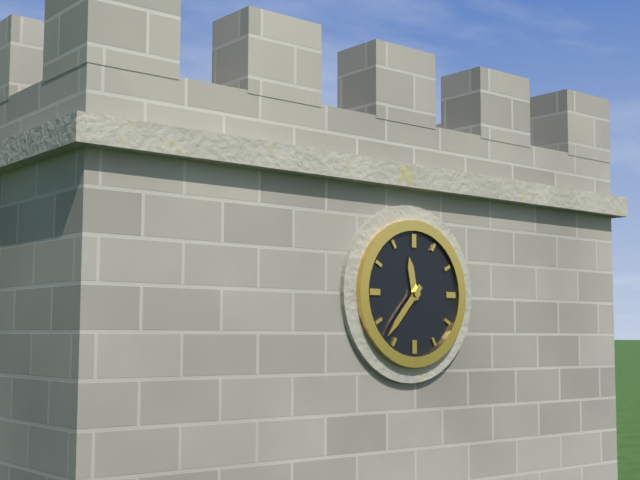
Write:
11,37
